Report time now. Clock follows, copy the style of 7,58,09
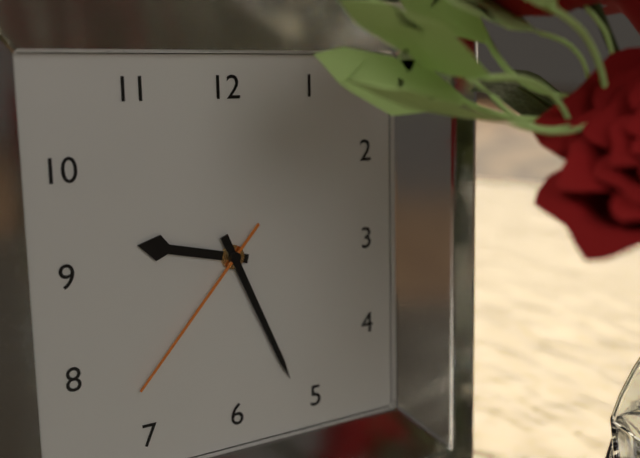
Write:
9,26,37
